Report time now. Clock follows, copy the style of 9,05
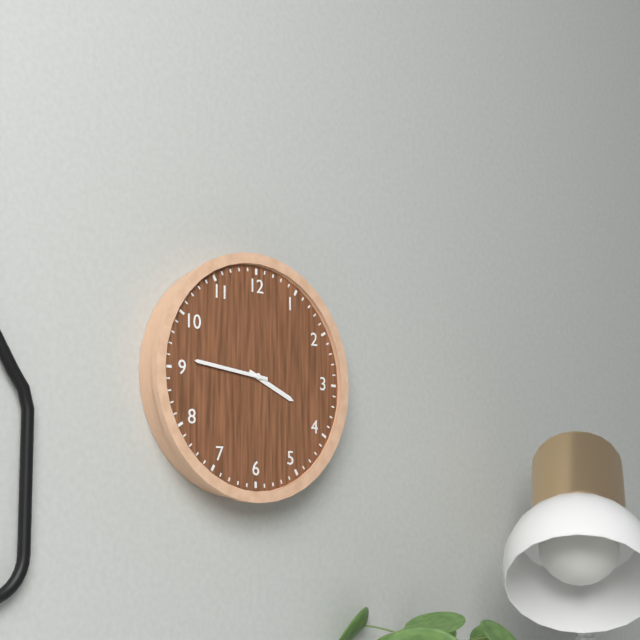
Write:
3,46
